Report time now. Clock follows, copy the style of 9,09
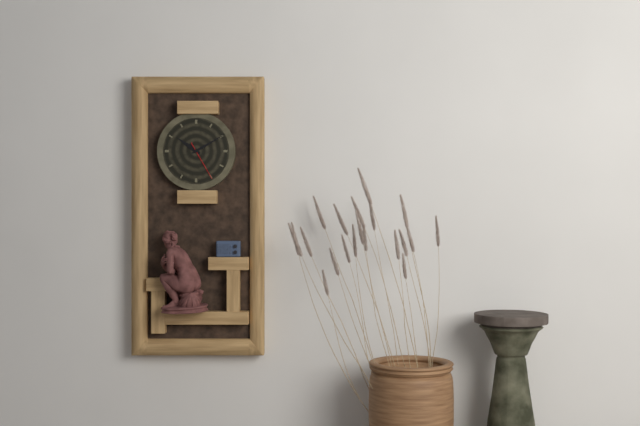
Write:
10,10
